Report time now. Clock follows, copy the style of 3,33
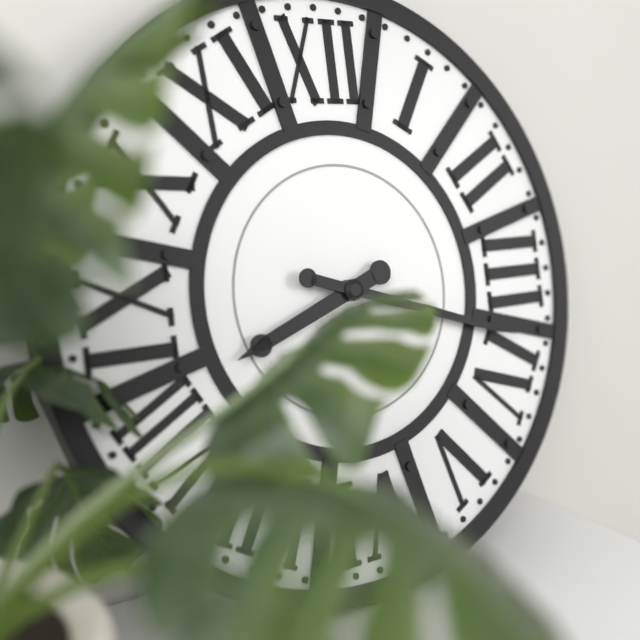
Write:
8,18
